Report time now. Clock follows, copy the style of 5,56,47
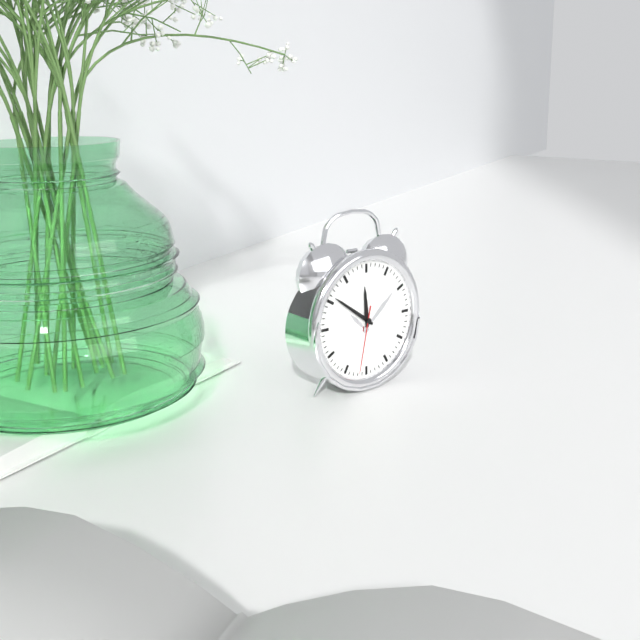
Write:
11,51,32
